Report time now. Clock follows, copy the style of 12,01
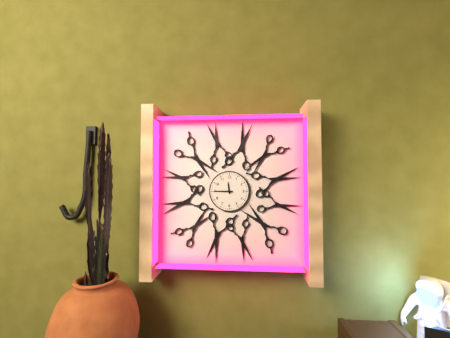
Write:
11,45
